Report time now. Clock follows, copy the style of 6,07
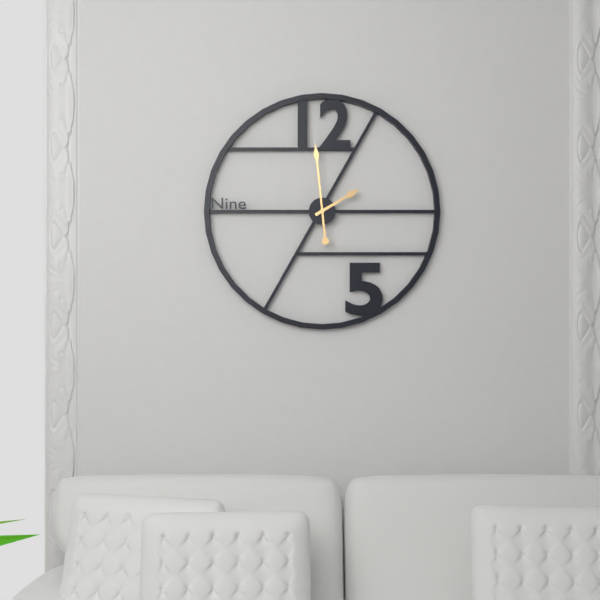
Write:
1,59
